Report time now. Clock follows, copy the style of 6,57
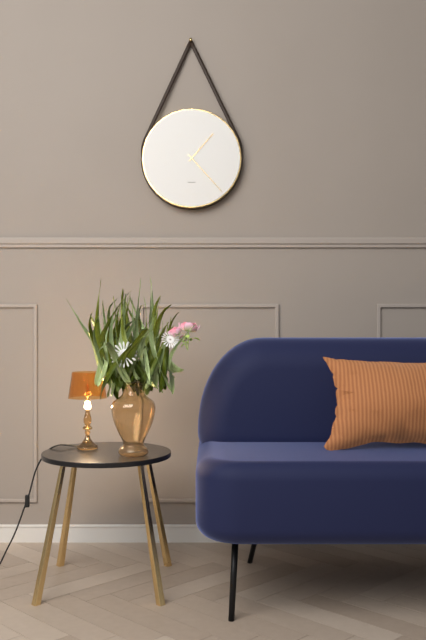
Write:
1,23
